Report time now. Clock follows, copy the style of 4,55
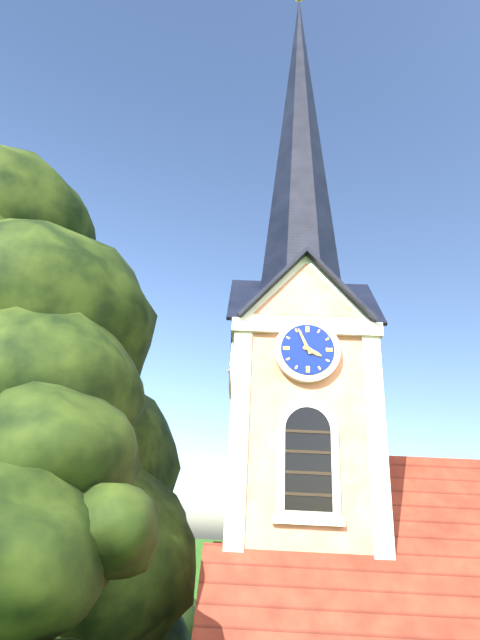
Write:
3,56
